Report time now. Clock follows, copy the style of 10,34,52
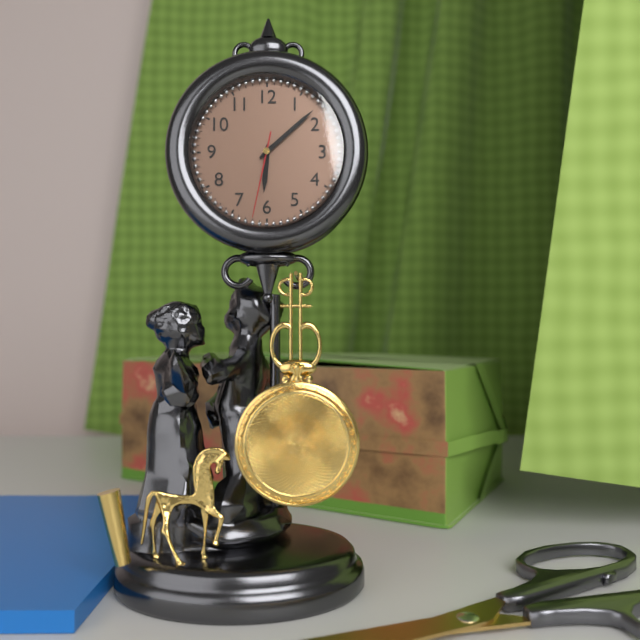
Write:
6,08,32
